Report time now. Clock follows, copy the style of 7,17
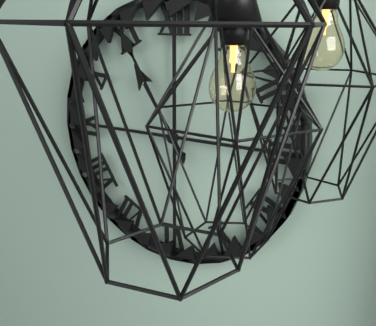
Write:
10,55
